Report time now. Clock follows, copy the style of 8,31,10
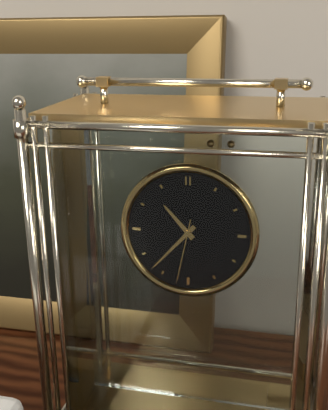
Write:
10,37,32
